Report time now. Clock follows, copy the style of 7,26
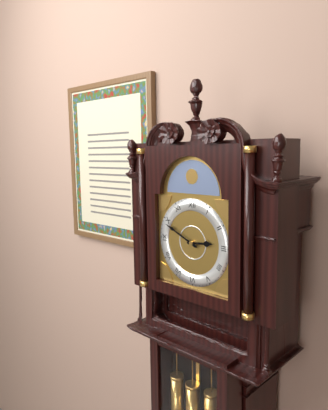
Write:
2,49
